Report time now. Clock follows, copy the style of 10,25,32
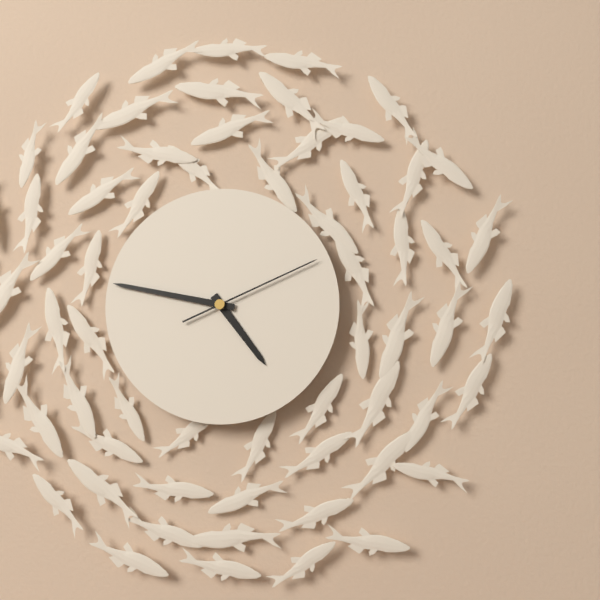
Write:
4,47,11
